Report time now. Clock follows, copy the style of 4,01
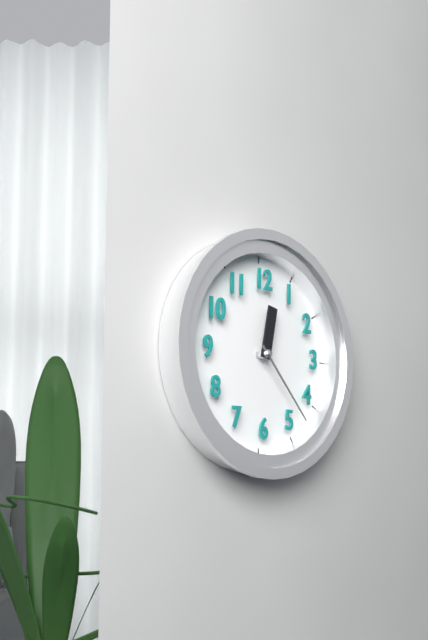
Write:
12,23
